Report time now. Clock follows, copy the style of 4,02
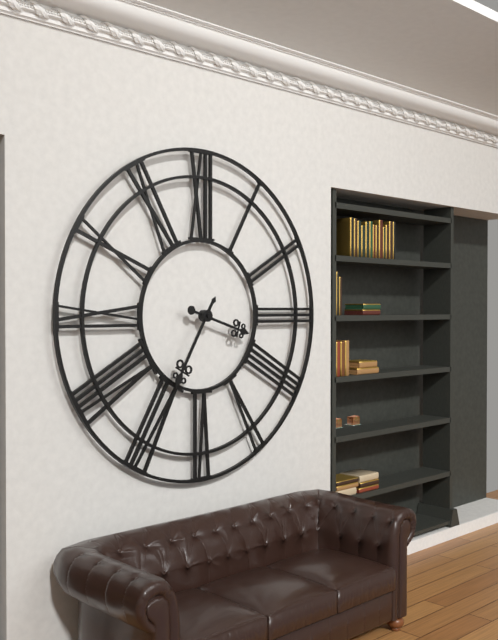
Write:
3,35
